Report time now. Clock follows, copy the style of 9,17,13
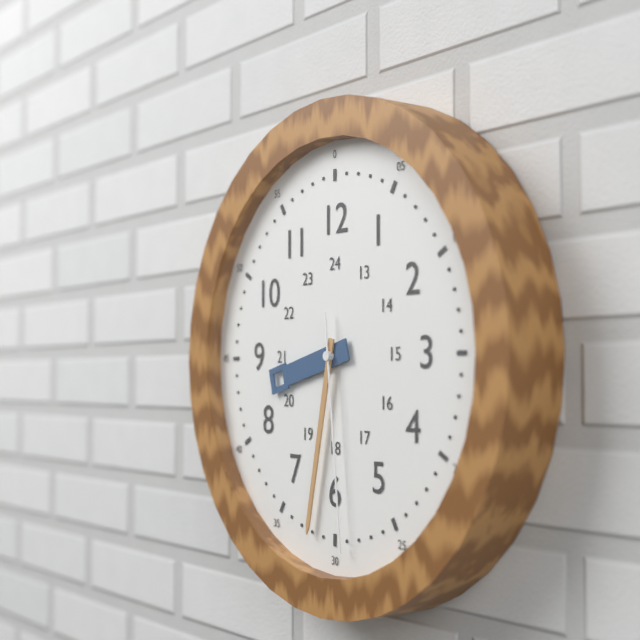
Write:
8,32,29
